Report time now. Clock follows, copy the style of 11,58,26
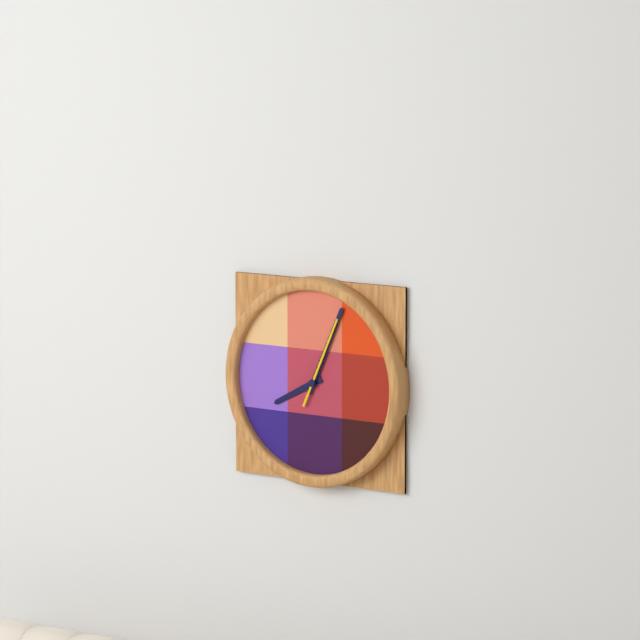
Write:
8,04,04
